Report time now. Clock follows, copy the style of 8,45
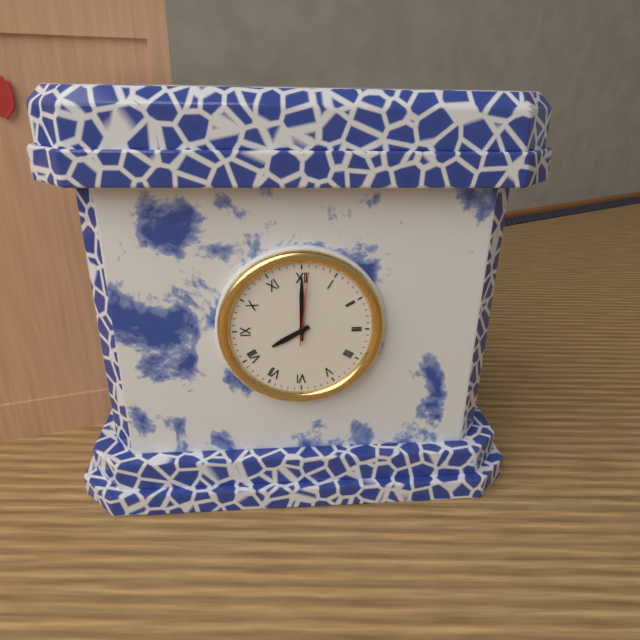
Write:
8,00
